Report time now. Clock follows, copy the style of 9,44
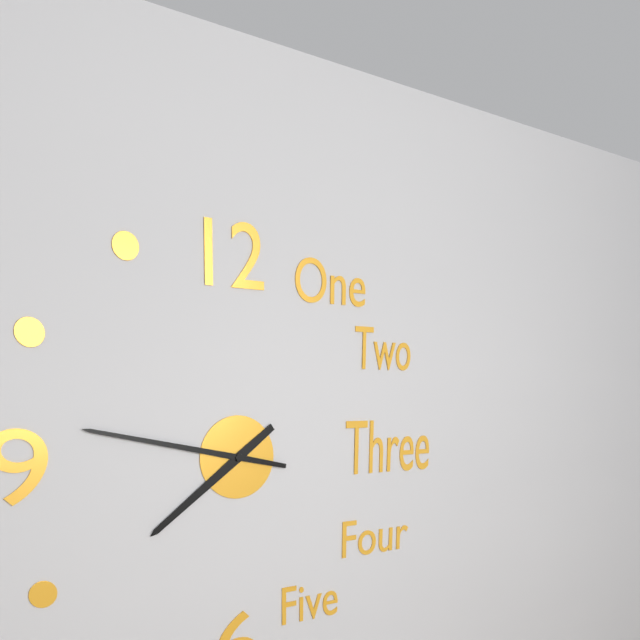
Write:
7,47
